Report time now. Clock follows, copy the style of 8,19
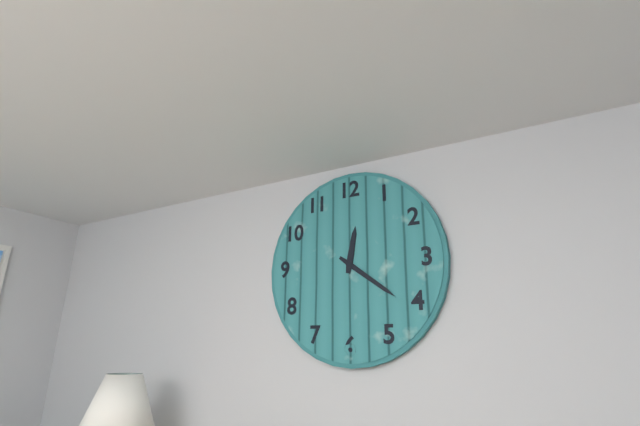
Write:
12,21
